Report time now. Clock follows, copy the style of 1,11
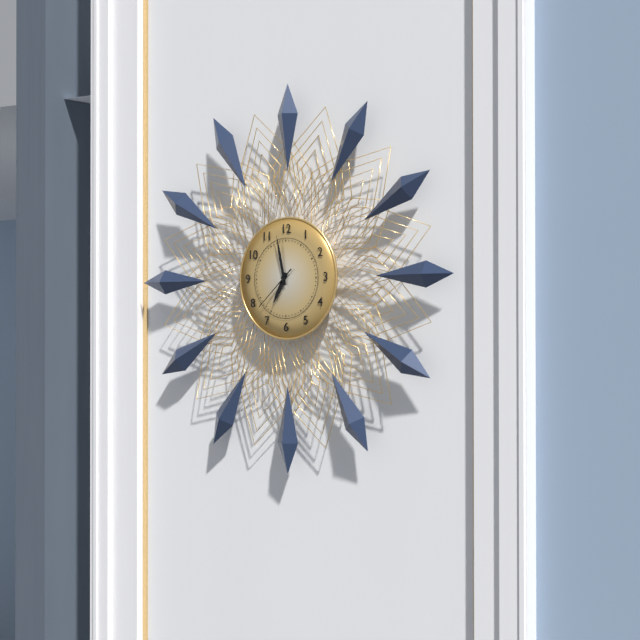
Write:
6,58
